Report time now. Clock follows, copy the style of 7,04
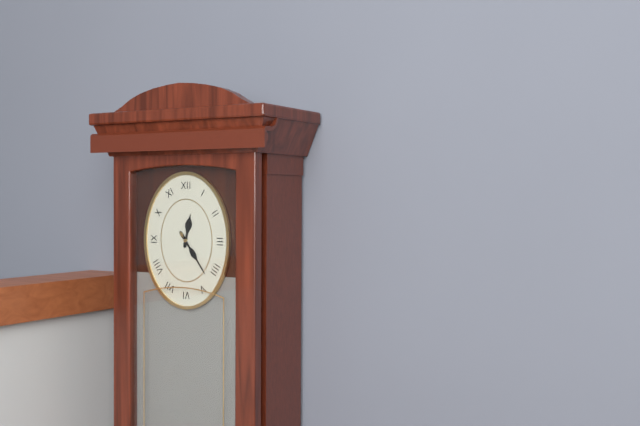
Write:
12,24
